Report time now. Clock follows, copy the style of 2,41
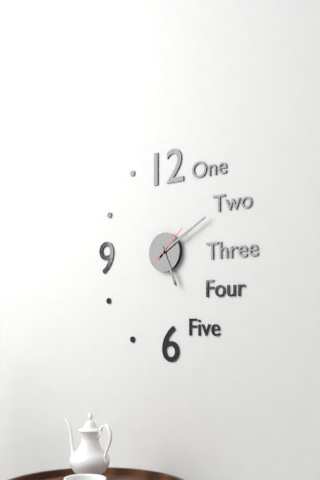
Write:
5,10
